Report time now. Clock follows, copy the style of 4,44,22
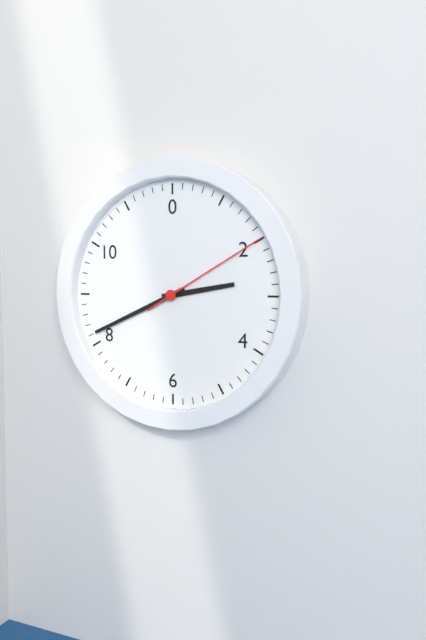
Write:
2,41,10
